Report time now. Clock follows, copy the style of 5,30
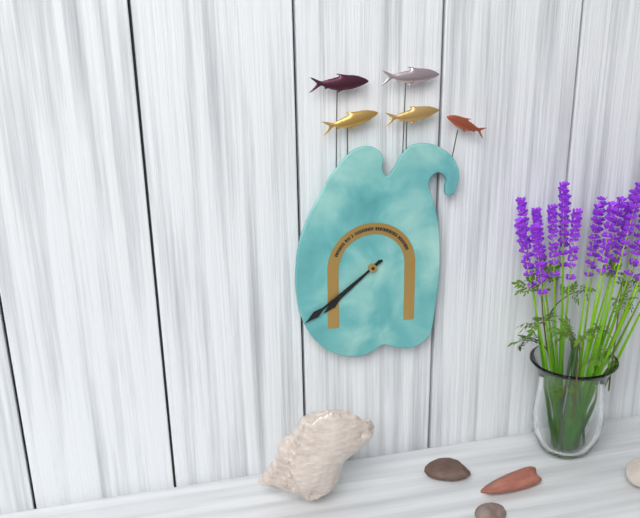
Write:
7,39
